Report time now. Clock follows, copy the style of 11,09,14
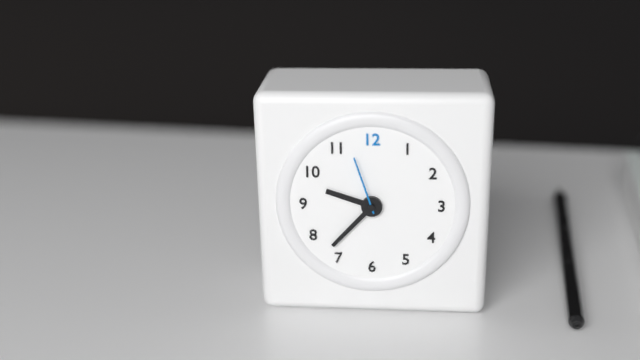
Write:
9,37,57
